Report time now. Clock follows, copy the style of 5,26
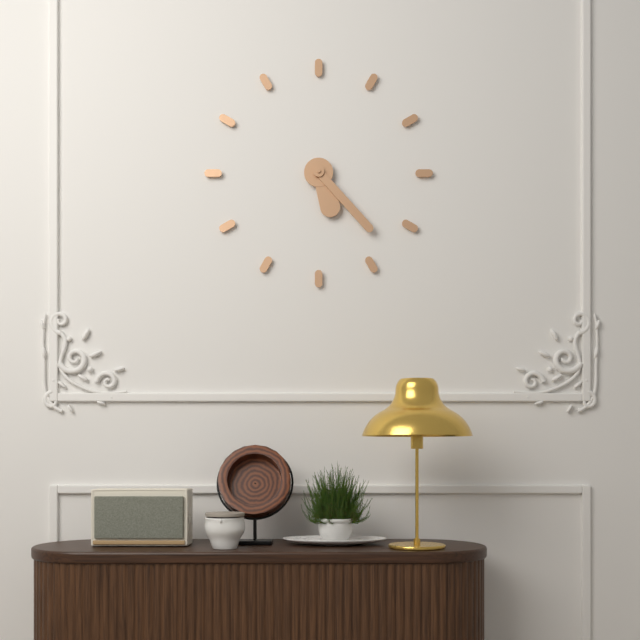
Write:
5,23
